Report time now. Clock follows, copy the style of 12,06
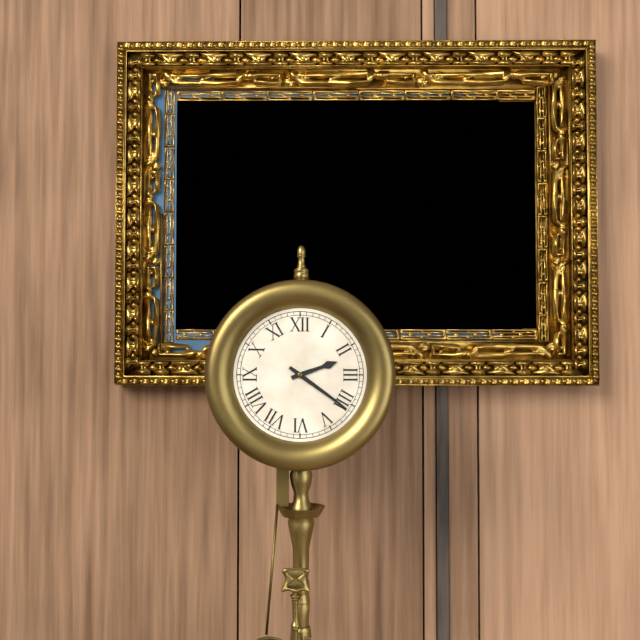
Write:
2,21
